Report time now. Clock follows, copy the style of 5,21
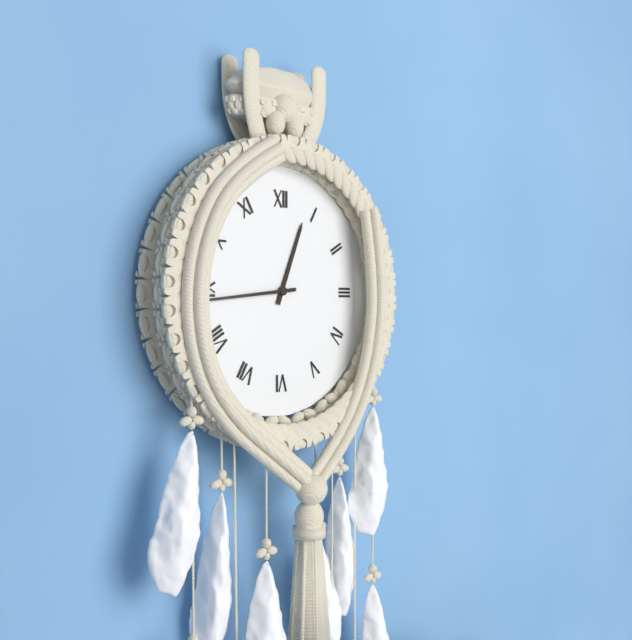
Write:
12,44
